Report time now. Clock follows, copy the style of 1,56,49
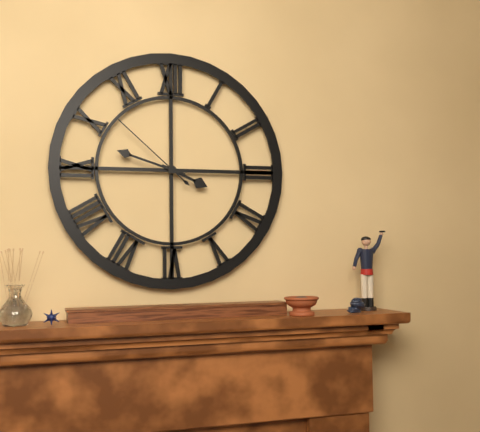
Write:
3,48,52
